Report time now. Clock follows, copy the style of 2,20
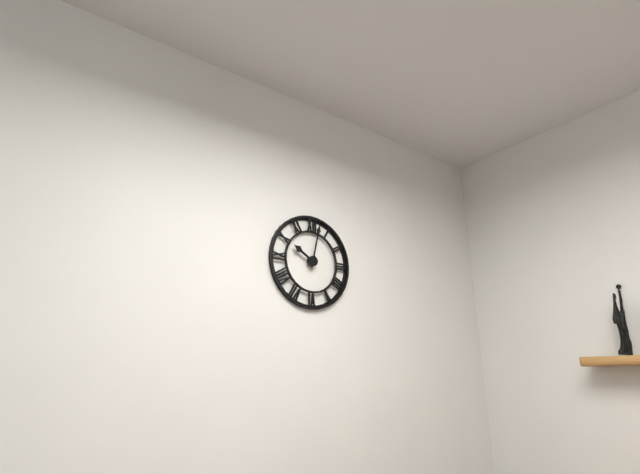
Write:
10,02
